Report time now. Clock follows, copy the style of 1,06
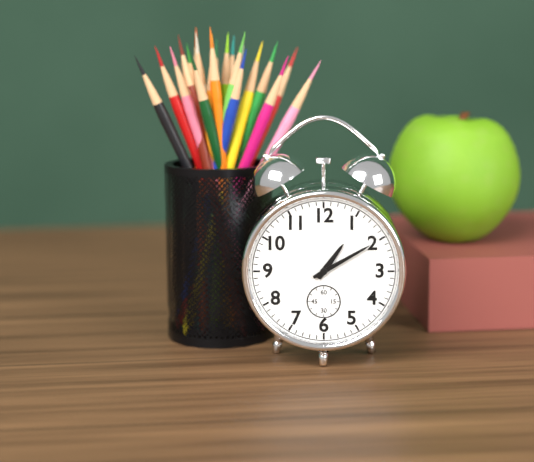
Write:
1,10
